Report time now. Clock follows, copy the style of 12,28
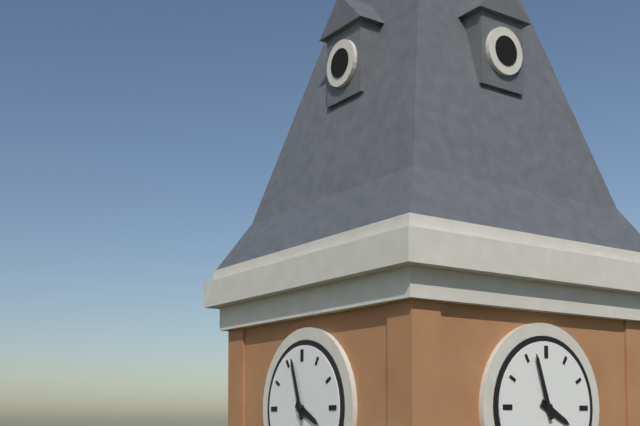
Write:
3,57
